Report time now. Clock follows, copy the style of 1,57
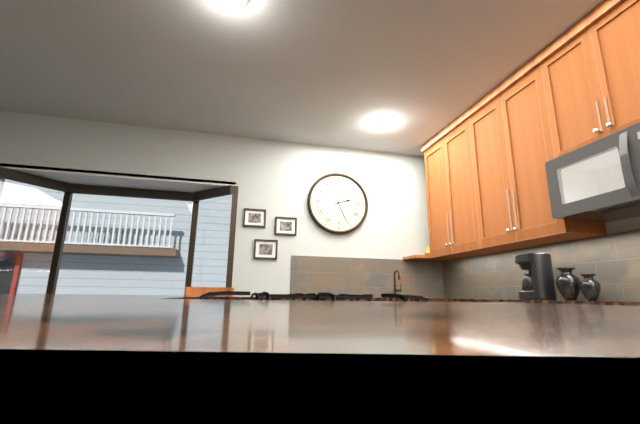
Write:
2,26
